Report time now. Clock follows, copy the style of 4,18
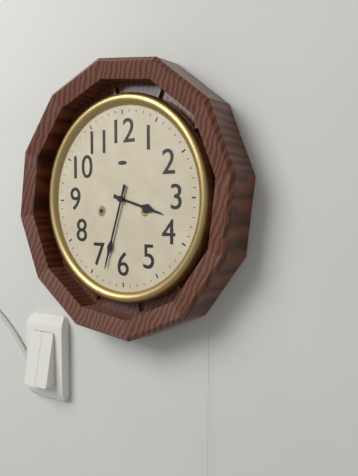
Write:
3,33
